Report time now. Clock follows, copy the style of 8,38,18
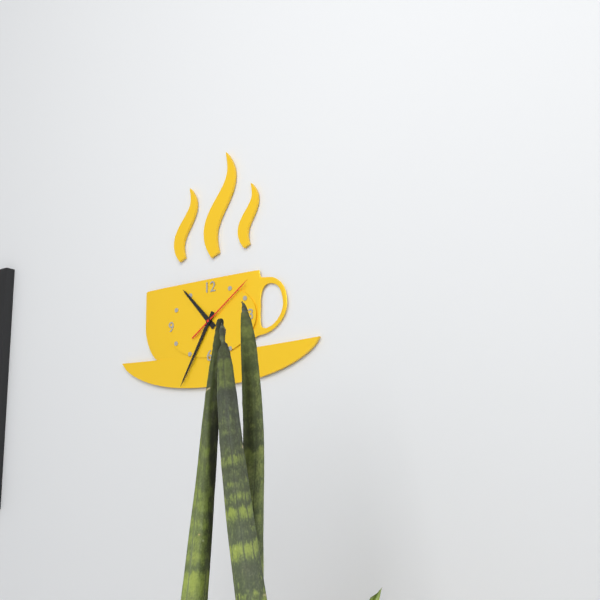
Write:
10,35,09
